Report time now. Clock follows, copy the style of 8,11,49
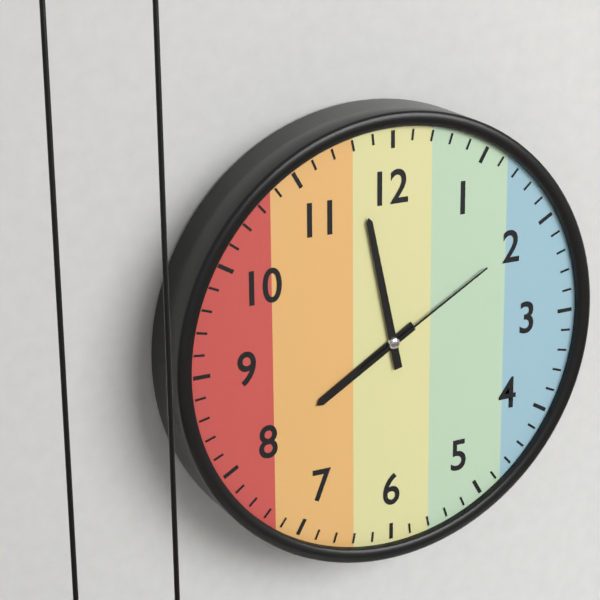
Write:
7,58,10
